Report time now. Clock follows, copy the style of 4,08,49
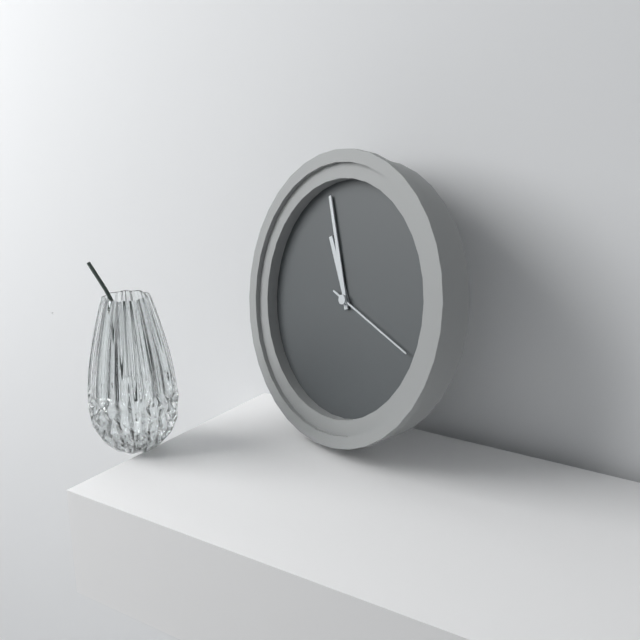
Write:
10,56,18
